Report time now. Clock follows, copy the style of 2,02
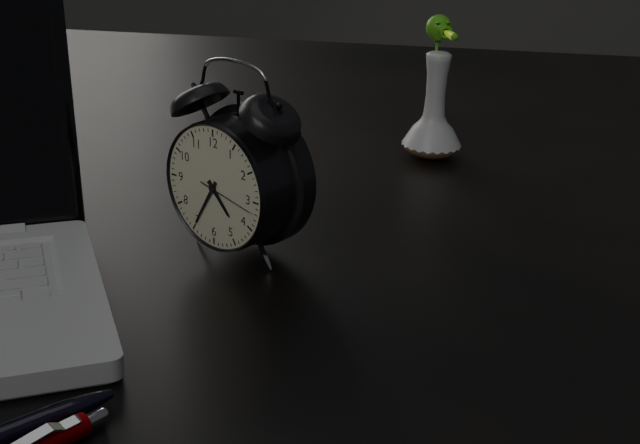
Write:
4,35
